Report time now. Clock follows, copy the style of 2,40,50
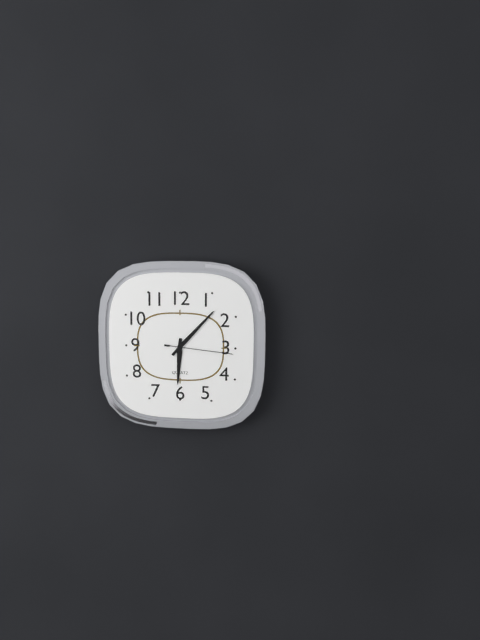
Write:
6,07,16
